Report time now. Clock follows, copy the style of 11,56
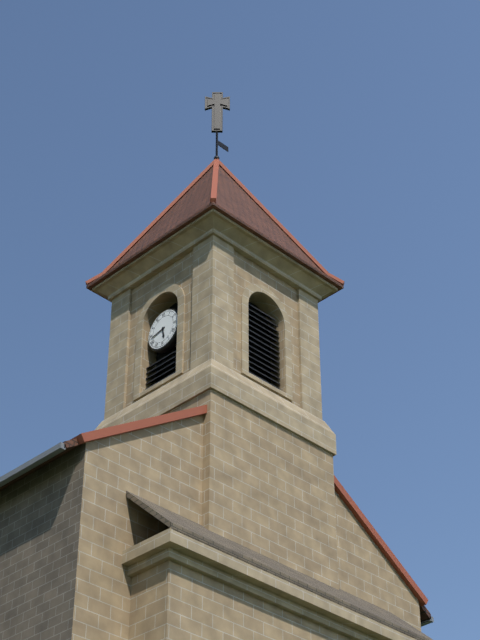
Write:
5,43
